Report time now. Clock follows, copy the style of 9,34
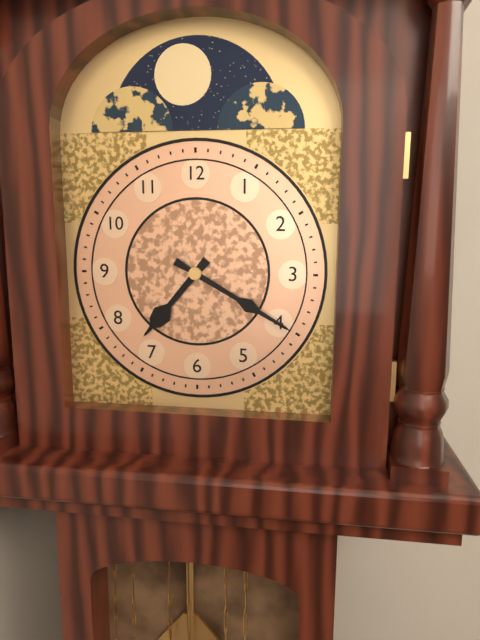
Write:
7,20
